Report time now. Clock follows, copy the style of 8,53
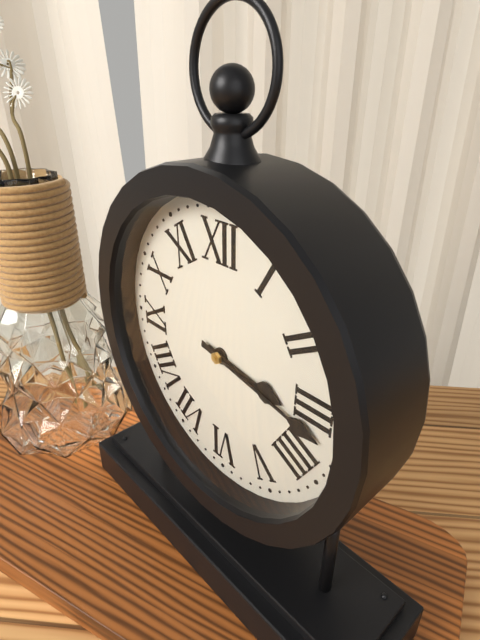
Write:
3,17
